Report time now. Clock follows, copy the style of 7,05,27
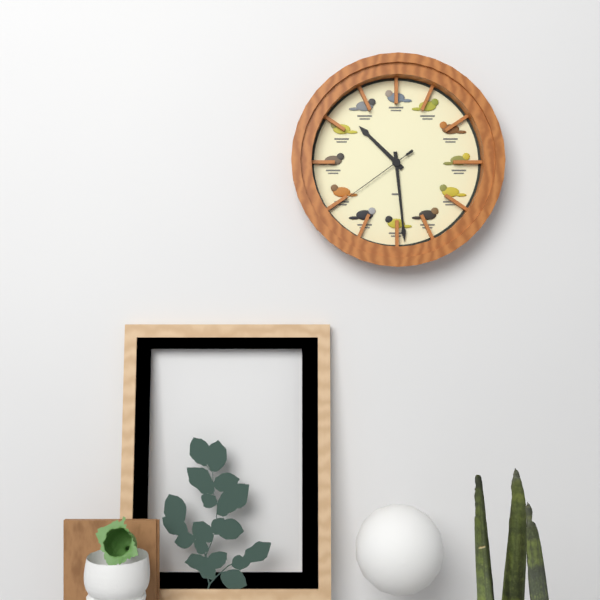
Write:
10,29,39
